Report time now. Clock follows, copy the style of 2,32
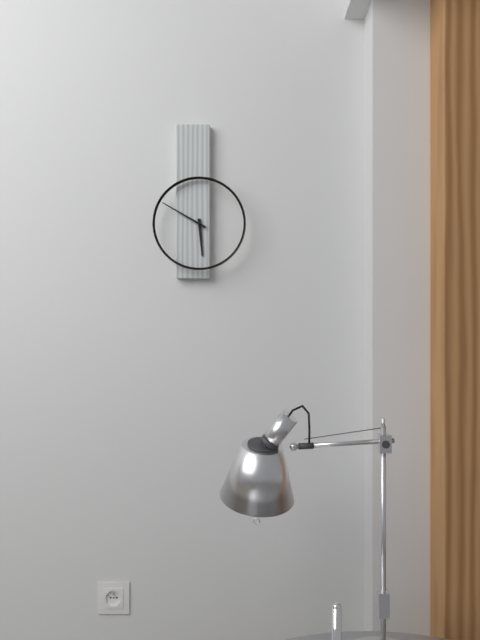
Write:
5,50
